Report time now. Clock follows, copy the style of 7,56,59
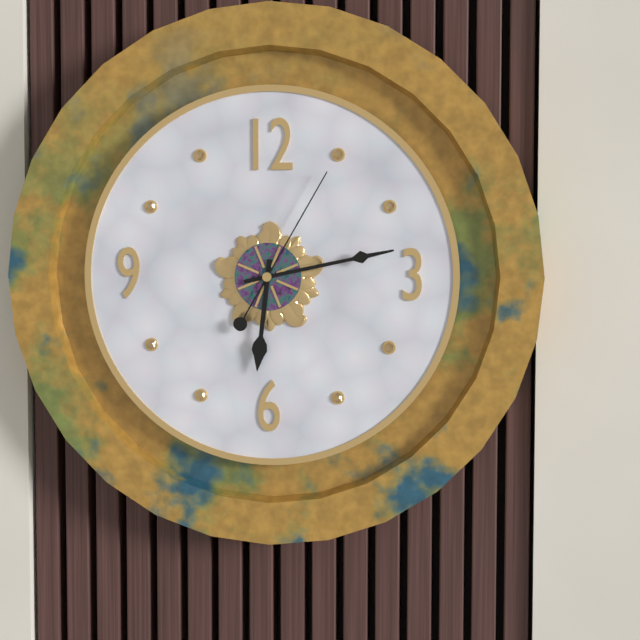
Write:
6,13,05
